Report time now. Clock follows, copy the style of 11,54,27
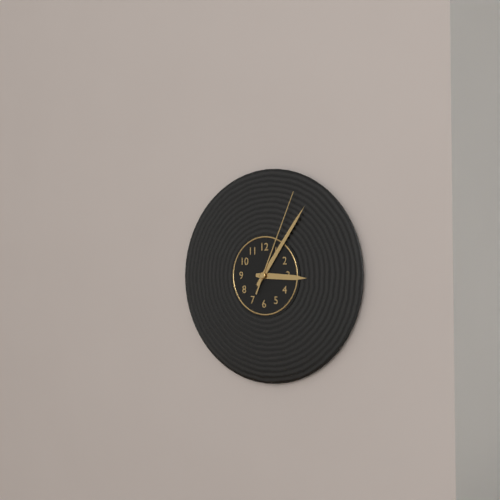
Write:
3,06,04
